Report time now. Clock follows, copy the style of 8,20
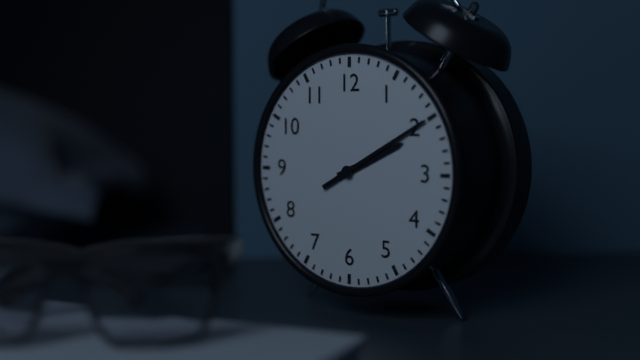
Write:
2,10
